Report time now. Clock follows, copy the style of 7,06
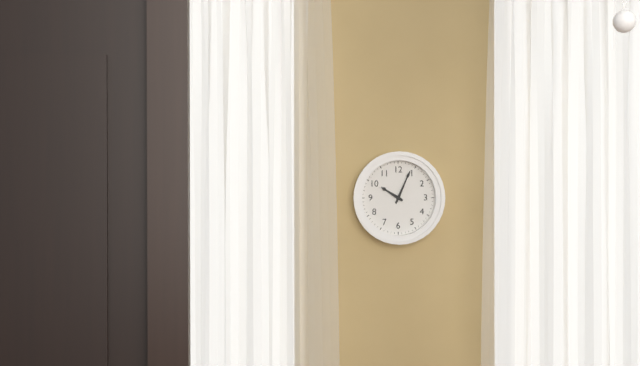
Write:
10,04
